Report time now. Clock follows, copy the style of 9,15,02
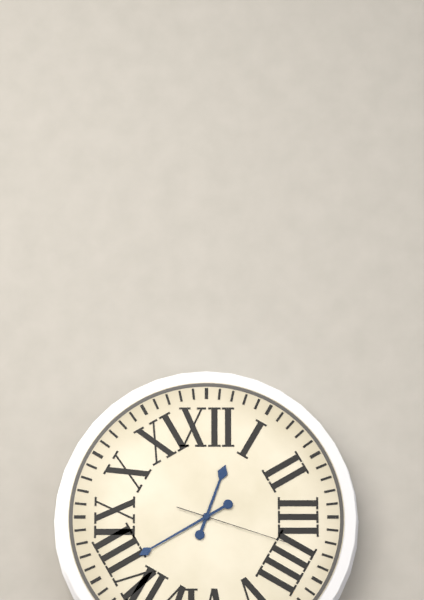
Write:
12,40,18
